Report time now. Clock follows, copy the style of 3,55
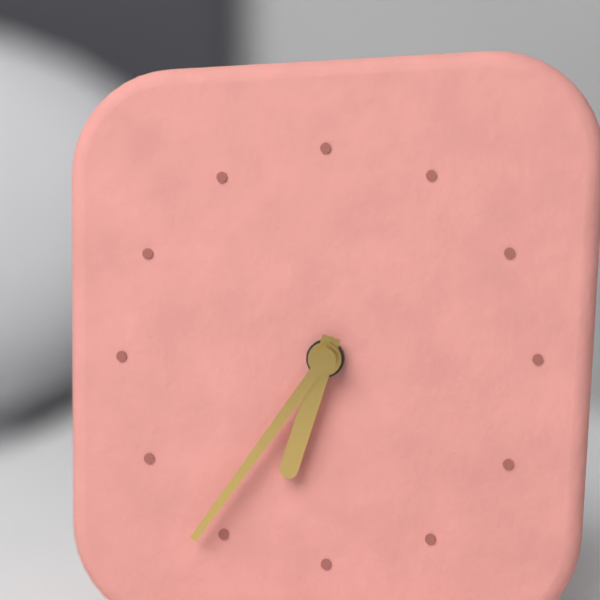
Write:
6,36
